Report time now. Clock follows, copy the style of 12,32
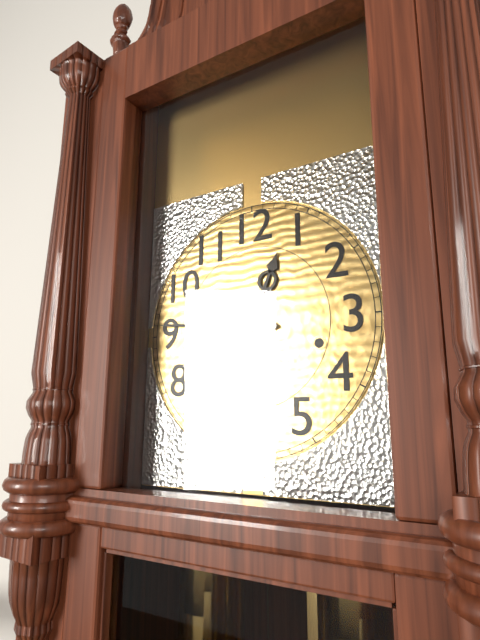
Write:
12,46
